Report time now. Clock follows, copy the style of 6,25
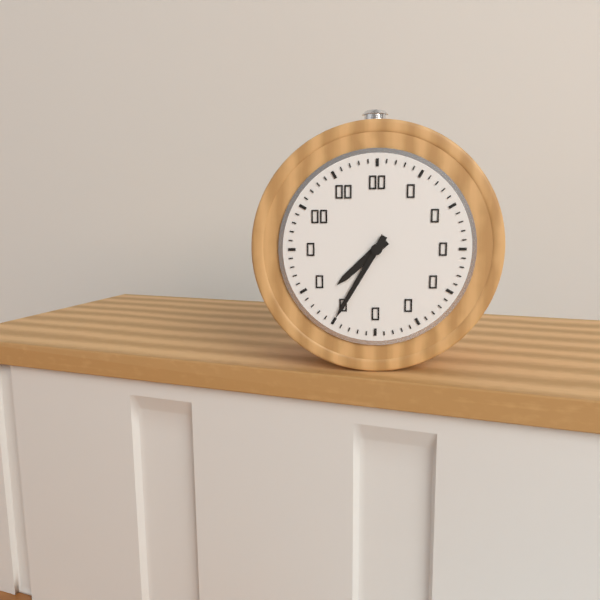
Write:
7,35
